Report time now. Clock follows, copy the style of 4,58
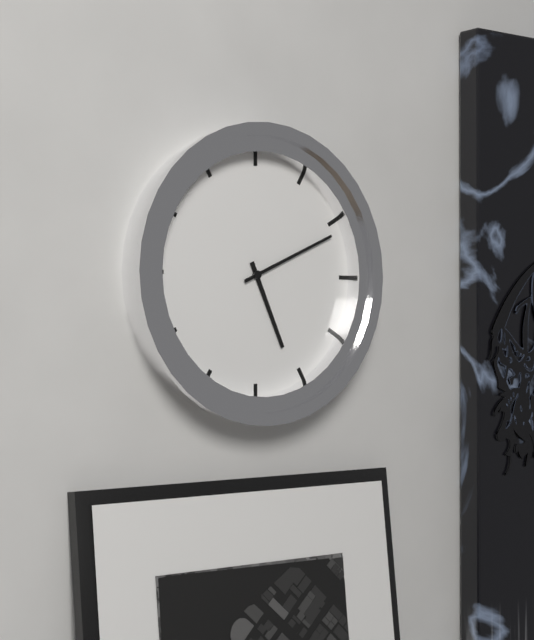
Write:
5,11
